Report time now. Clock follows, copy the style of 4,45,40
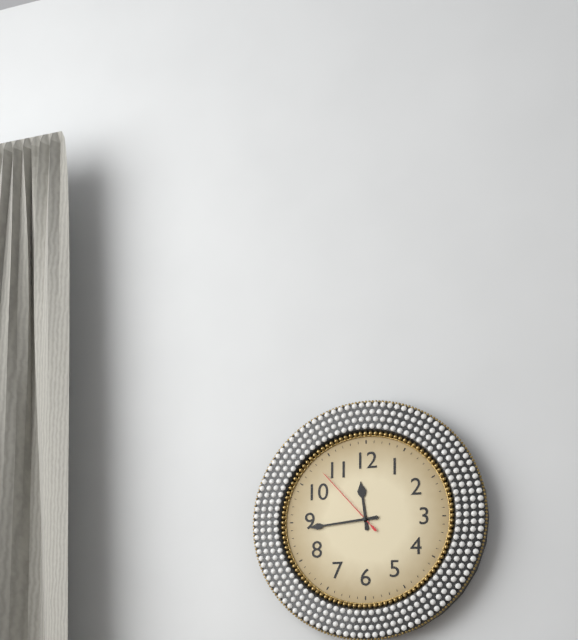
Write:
11,44,53
